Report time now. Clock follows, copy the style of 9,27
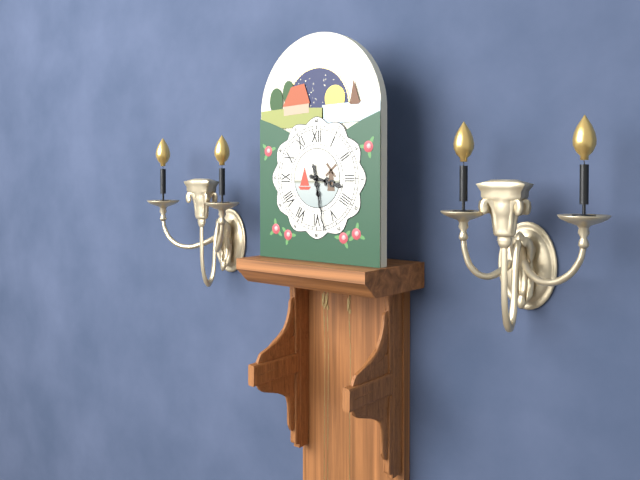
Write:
3,28
